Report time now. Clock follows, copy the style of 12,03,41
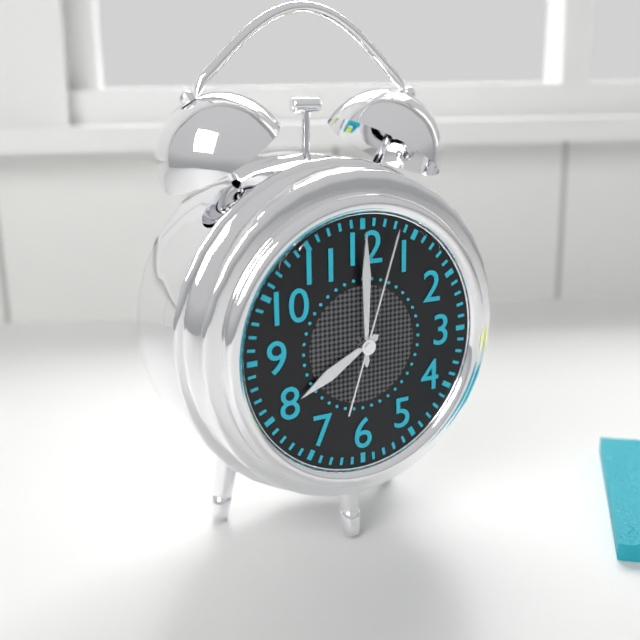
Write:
8,00,03
